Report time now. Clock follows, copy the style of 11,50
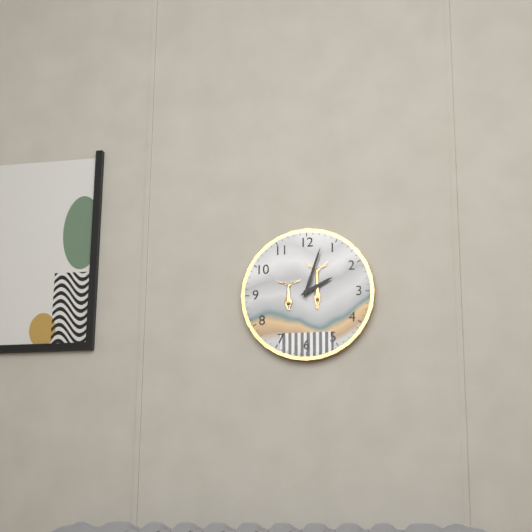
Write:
2,03
